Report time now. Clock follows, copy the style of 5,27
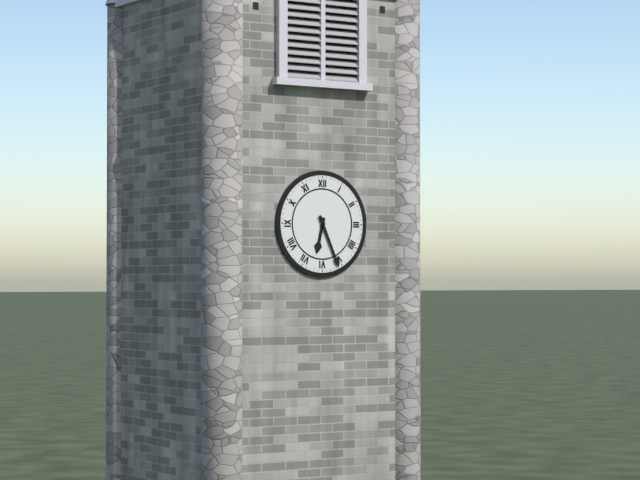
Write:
6,26
